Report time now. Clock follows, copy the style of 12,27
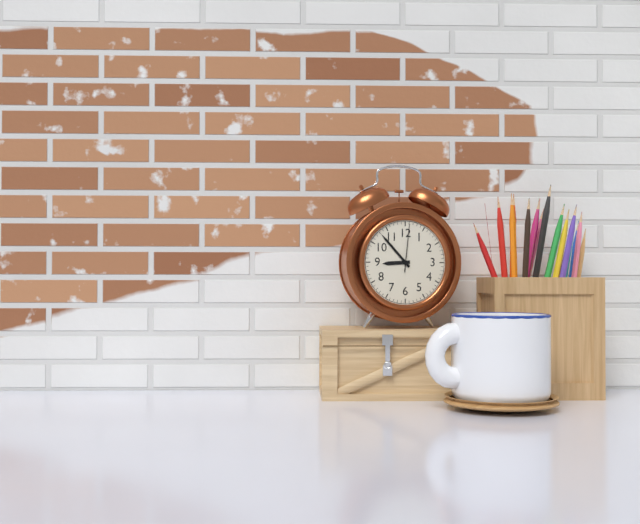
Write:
8,53
